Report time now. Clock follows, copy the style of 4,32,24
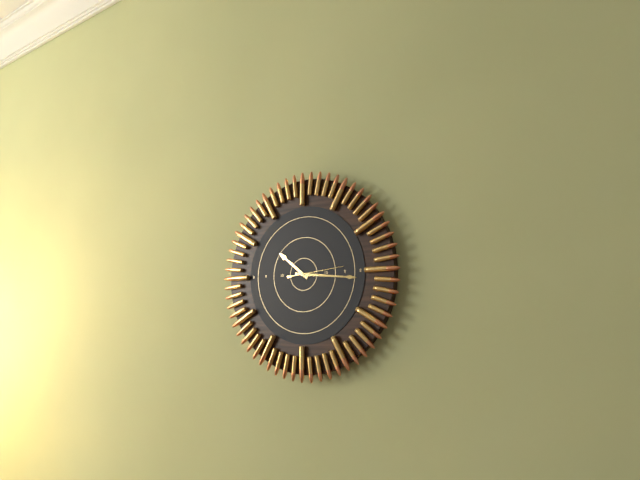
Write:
10,16,14
